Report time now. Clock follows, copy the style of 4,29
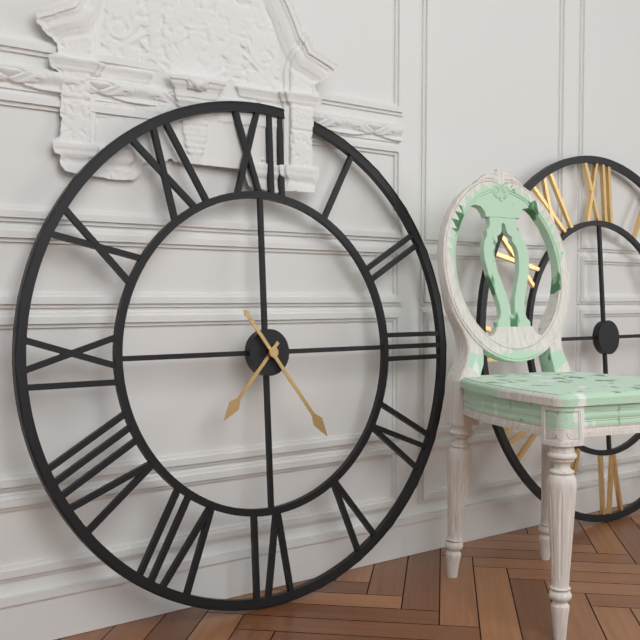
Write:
7,24
